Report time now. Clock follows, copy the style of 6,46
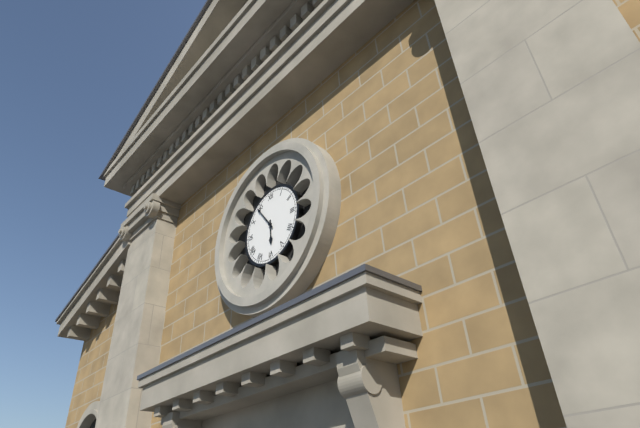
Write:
5,54
